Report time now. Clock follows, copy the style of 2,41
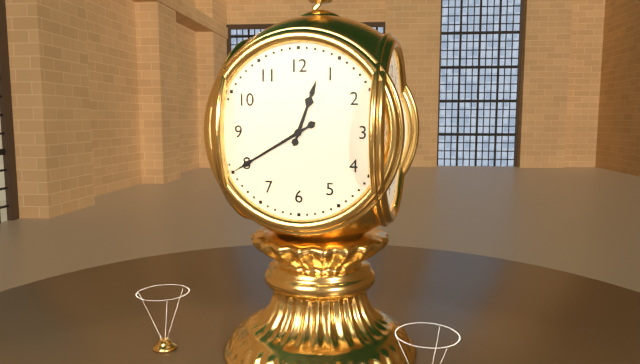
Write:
12,40
